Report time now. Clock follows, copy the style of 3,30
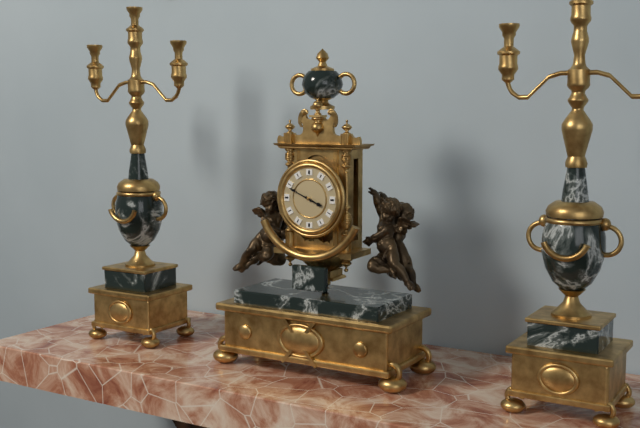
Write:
3,49
